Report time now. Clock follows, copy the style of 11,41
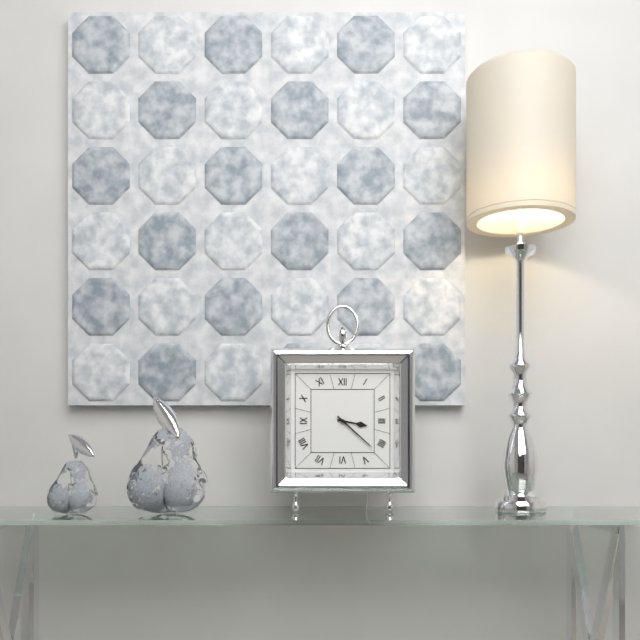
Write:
3,22
